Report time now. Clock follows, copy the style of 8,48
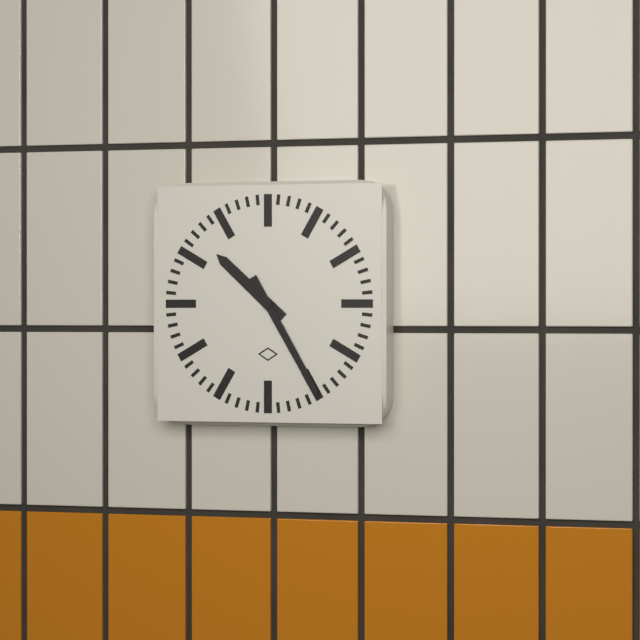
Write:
10,25
